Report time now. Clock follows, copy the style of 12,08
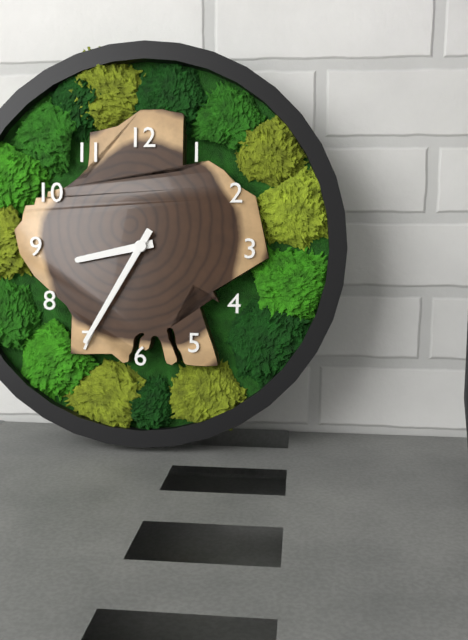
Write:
8,35
